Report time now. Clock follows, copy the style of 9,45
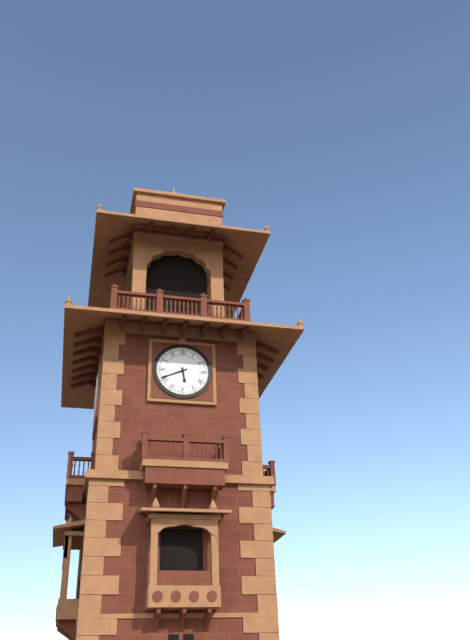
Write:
5,41
